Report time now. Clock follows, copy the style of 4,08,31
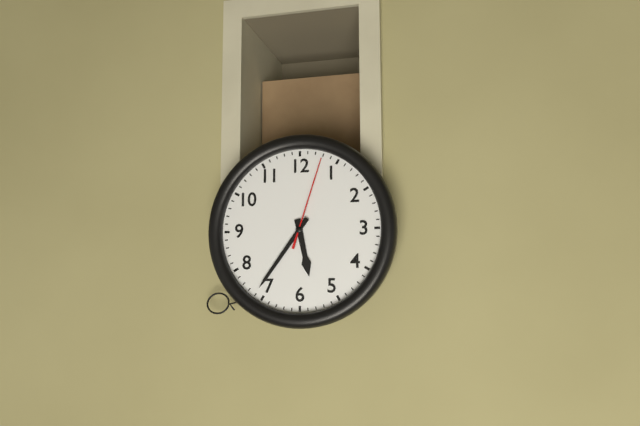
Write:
5,36,03
